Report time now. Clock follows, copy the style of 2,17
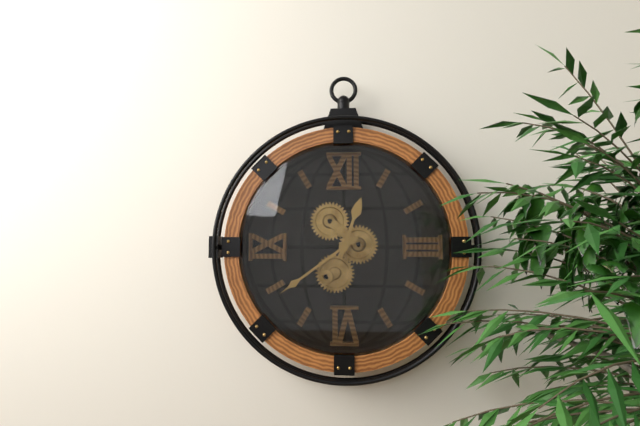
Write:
12,39
